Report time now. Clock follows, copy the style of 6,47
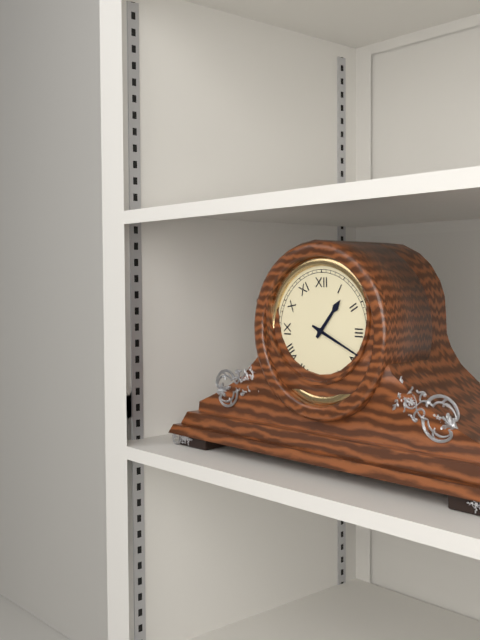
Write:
1,19
